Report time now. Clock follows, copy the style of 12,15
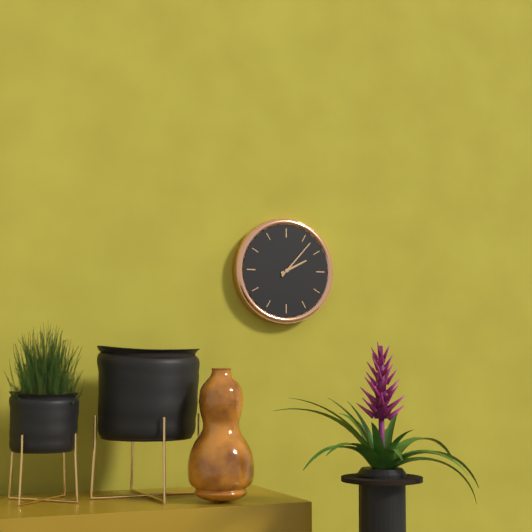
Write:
2,07
